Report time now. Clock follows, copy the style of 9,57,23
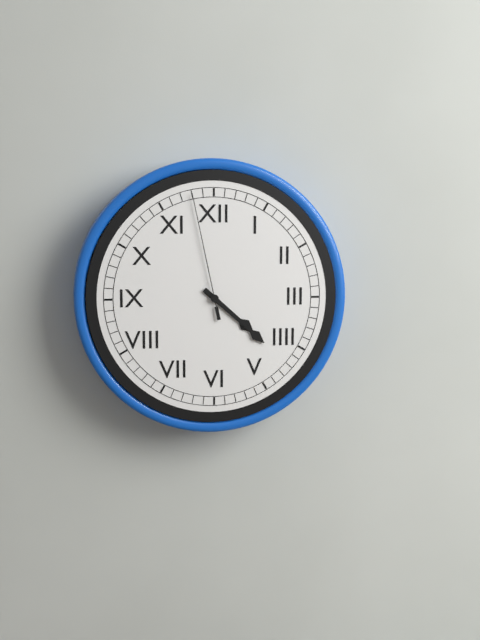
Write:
4,22,58
